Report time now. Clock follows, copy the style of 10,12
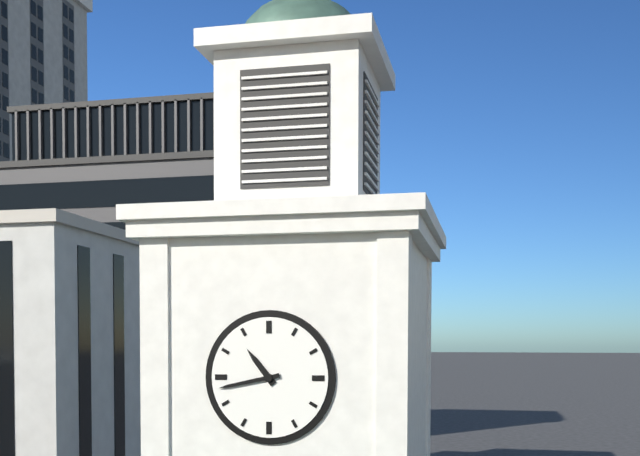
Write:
10,43
